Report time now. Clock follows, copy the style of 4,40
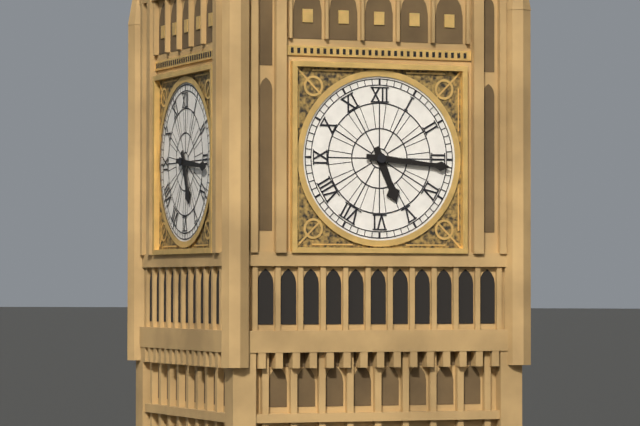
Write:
5,16
